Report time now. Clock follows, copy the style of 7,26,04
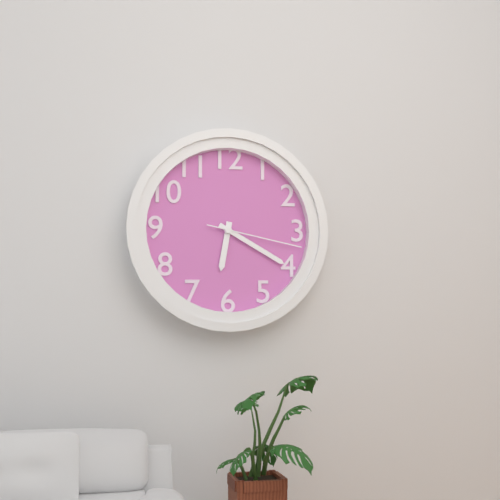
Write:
6,20,17
